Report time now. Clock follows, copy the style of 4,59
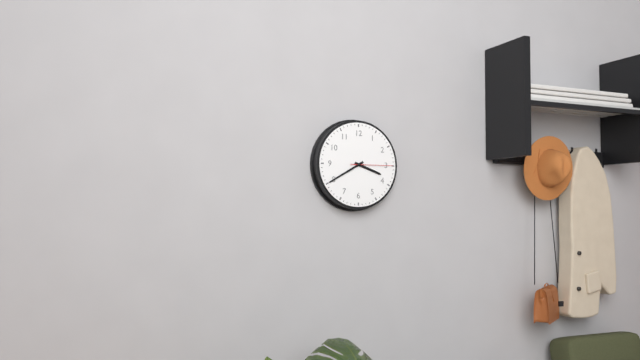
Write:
3,40
